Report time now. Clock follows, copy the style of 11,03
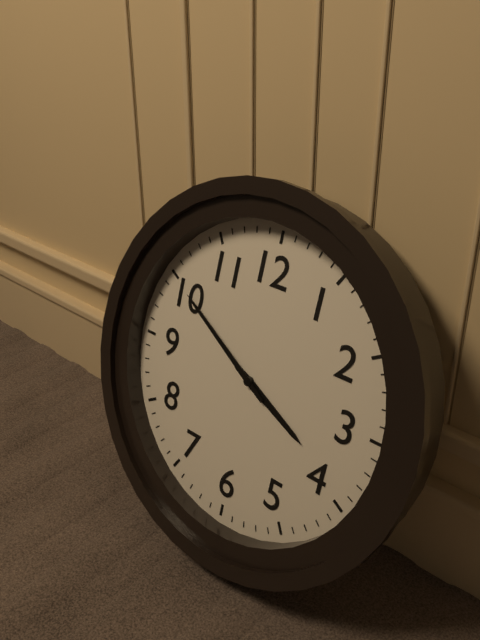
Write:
3,50
